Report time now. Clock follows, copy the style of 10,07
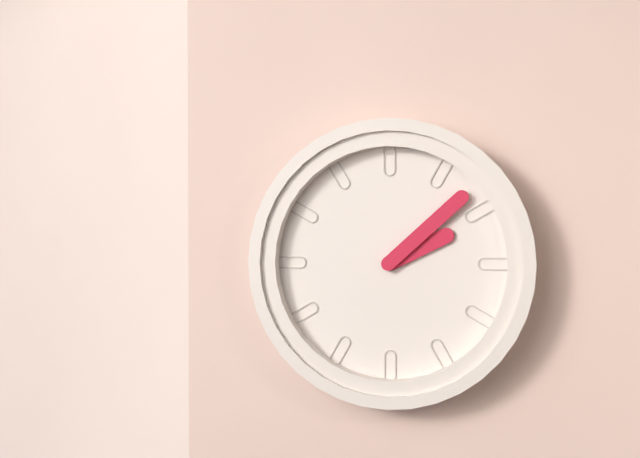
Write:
2,08
